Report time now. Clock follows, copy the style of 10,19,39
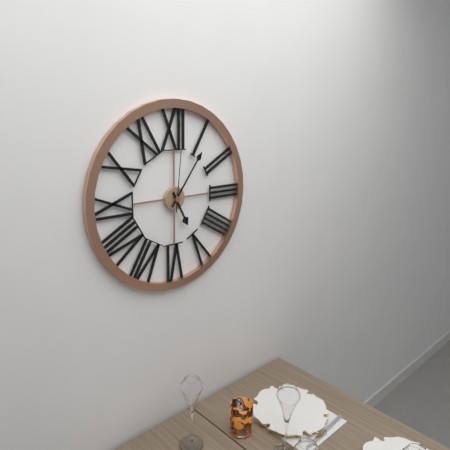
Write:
5,06,01
